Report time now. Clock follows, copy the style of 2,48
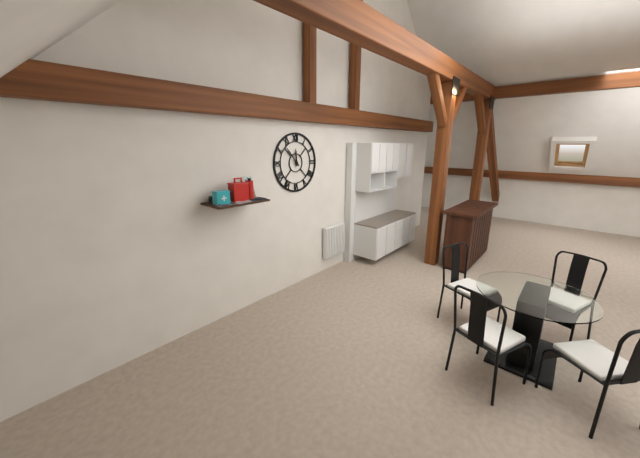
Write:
11,53
